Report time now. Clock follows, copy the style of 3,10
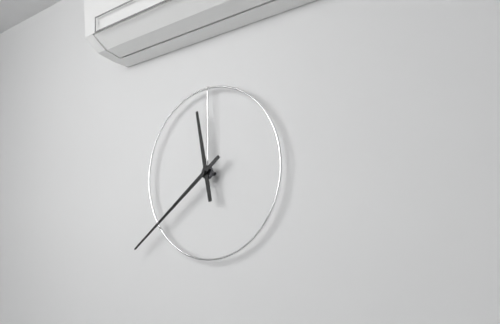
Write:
11,39
